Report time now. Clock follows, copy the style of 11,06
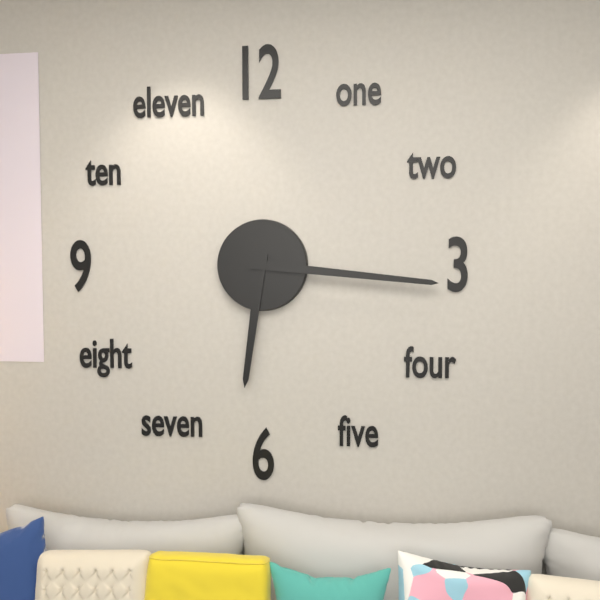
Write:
6,16
